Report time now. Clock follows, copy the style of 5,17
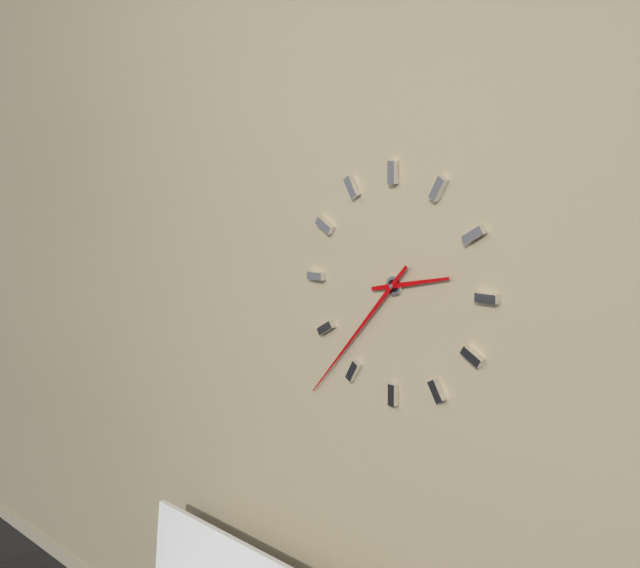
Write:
2,37
